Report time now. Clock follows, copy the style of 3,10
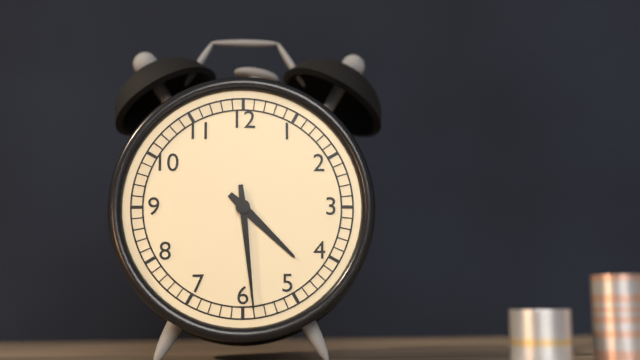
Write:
4,29
